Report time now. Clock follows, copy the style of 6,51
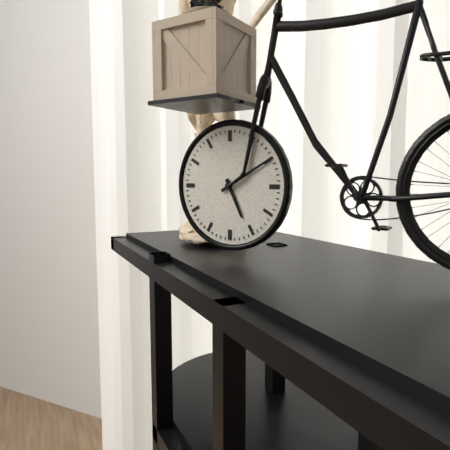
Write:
5,10
